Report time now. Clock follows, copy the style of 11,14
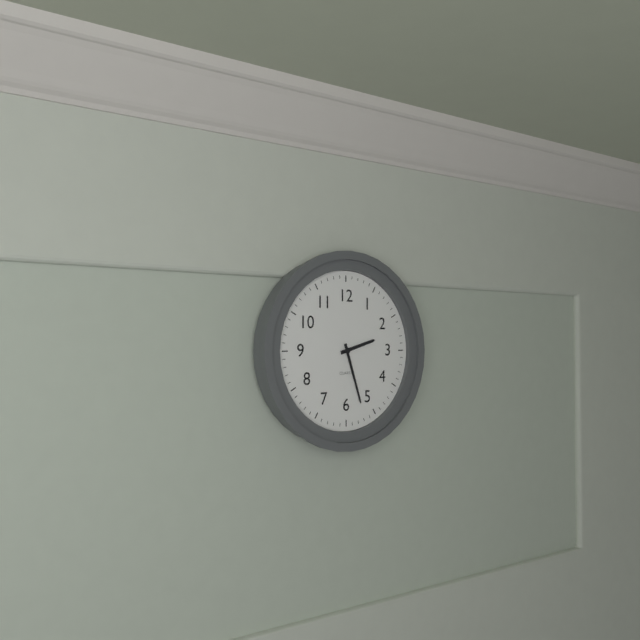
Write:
2,27
